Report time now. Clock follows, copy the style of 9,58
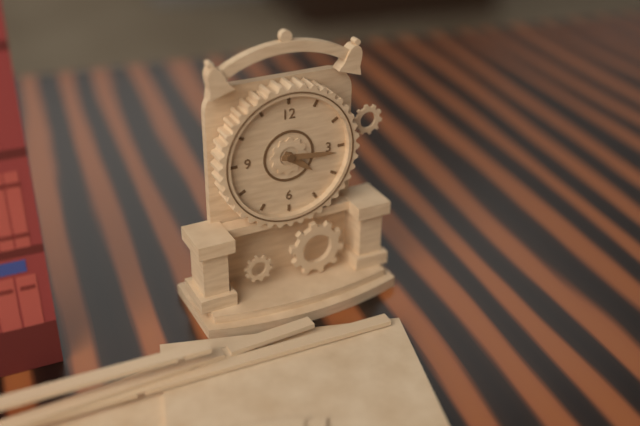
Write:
4,16
